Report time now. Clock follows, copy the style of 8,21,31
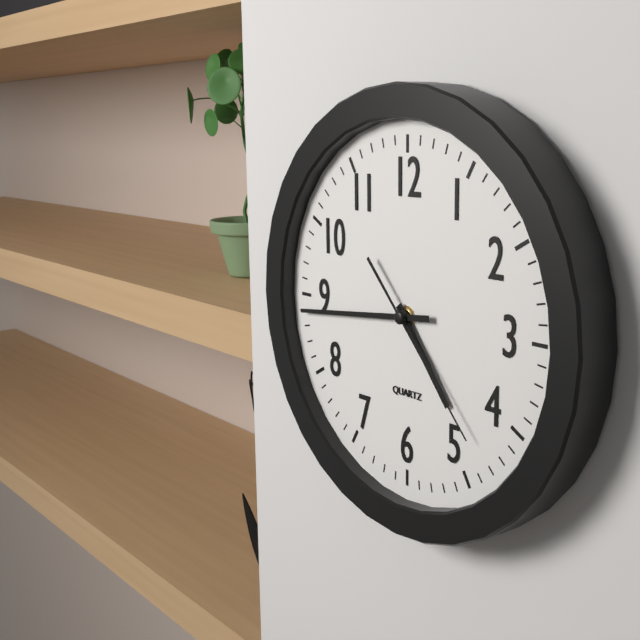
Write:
4,44,23
